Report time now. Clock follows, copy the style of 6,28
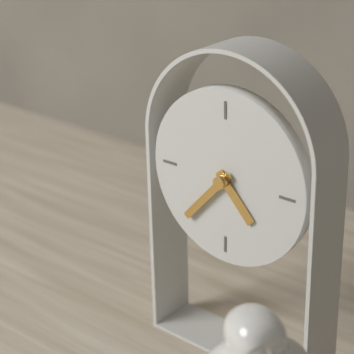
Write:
4,37
